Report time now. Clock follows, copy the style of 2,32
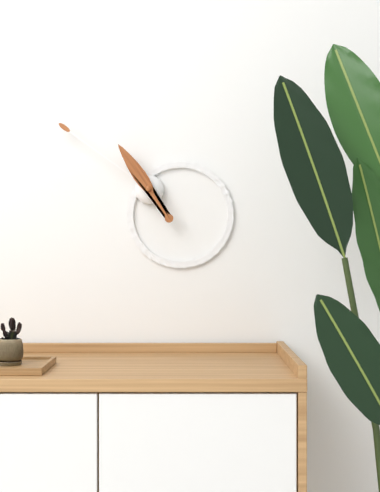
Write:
10,51
